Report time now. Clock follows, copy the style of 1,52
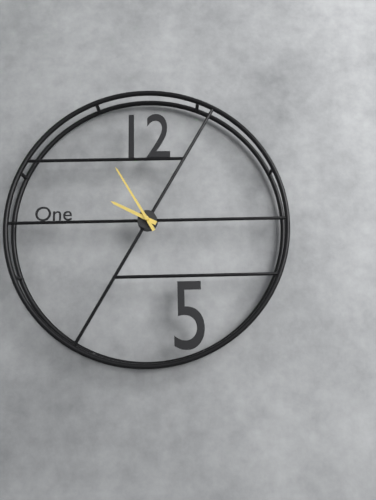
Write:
9,55
